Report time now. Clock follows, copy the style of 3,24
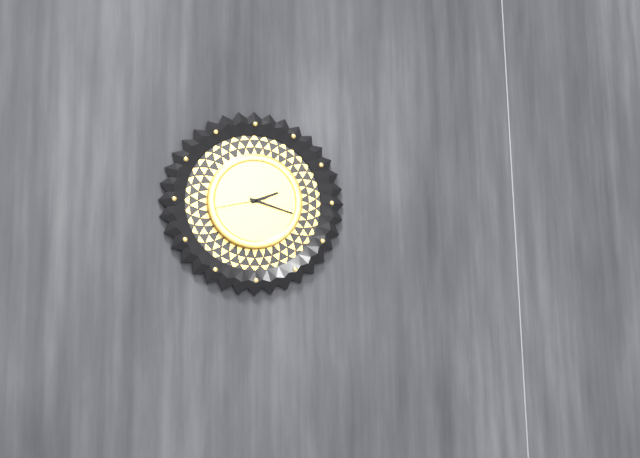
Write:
2,18
